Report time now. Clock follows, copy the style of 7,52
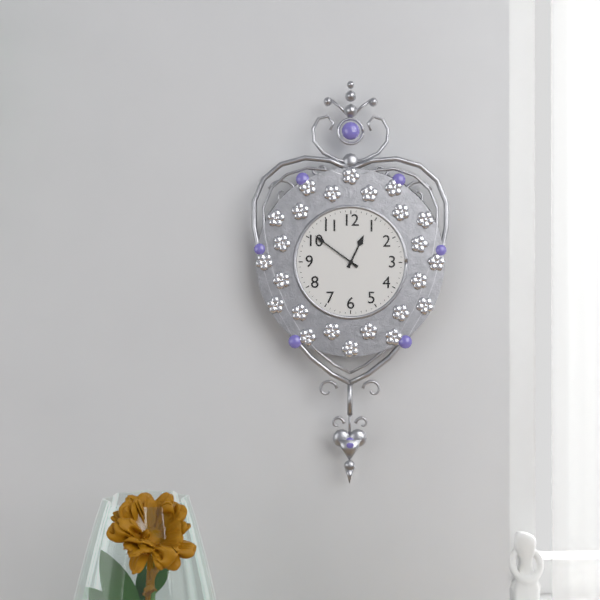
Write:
12,51
